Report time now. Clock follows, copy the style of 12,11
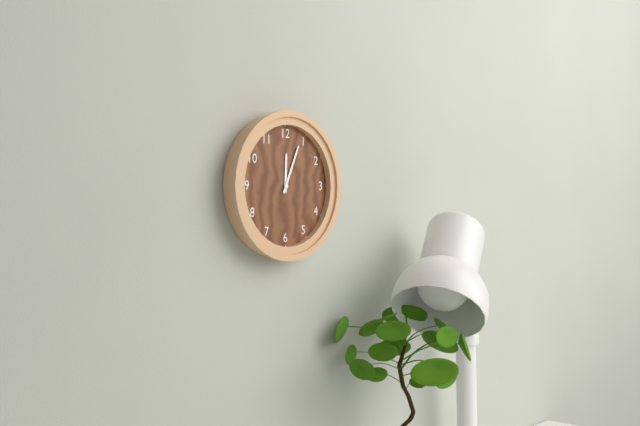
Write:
12,04
